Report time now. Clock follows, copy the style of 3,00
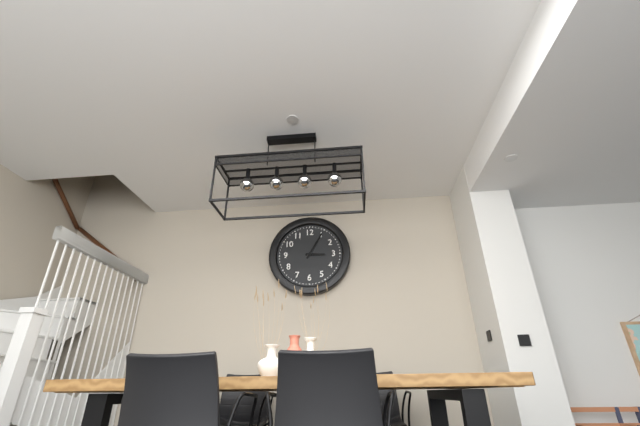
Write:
3,05
